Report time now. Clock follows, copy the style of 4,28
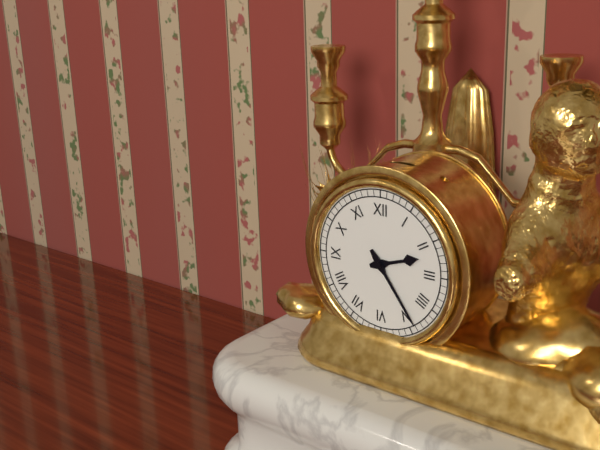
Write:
2,24
